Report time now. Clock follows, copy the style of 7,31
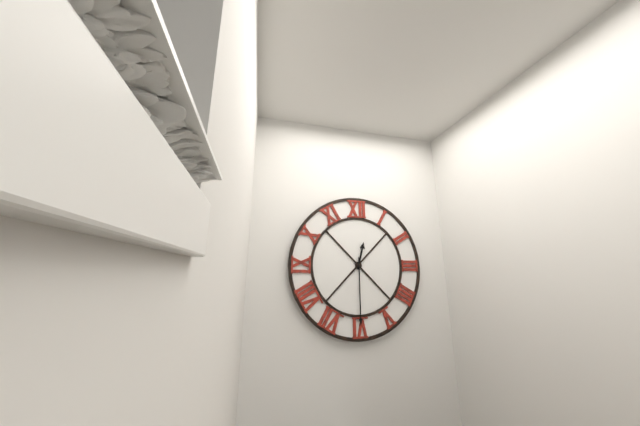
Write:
12,30
